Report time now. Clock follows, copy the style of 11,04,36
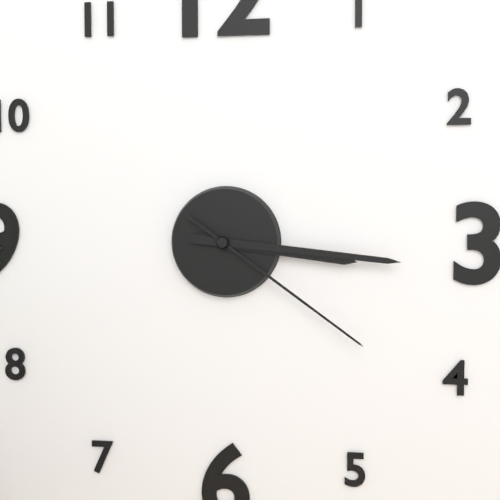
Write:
3,16,21
